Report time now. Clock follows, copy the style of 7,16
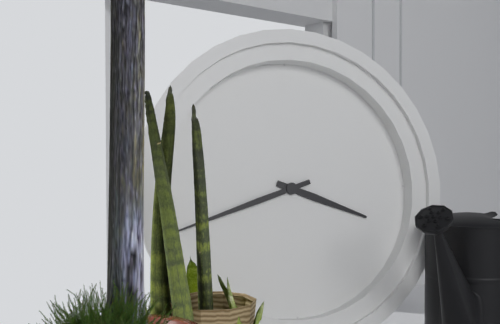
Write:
3,42
